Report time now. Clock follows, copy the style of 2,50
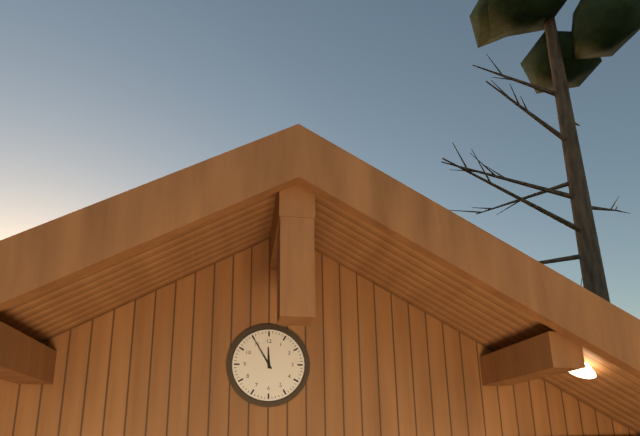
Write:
11,55
